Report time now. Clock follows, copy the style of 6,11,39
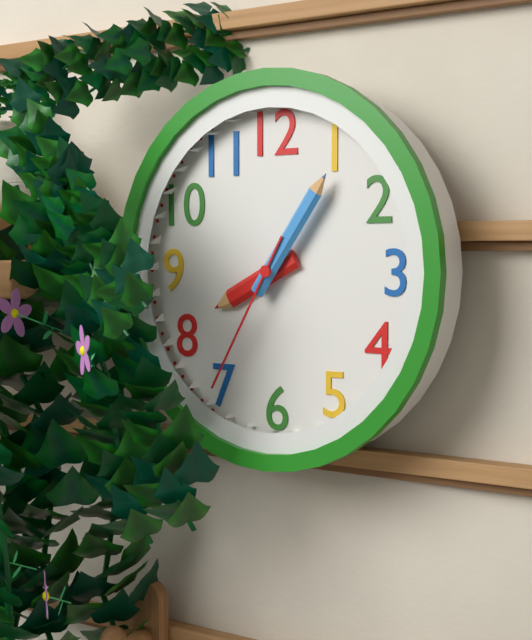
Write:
8,06,35
